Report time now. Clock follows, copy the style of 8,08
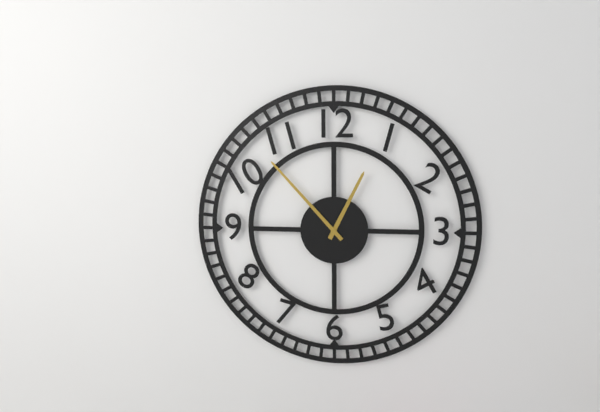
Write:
12,53
